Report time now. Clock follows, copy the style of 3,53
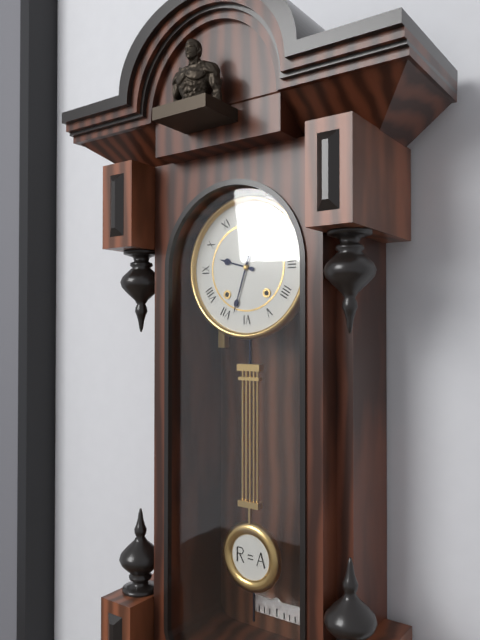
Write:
9,33
